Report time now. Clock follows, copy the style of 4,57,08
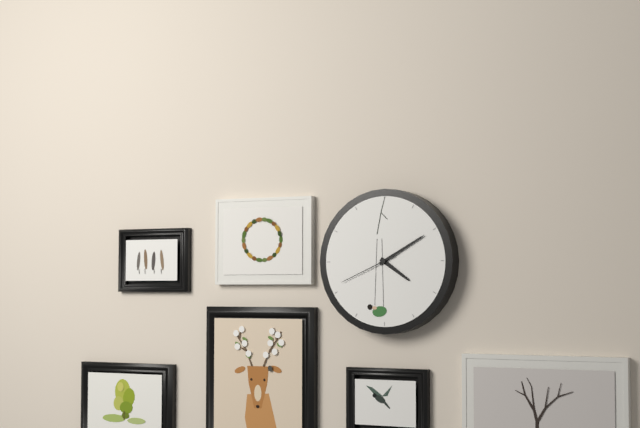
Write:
4,10,41
